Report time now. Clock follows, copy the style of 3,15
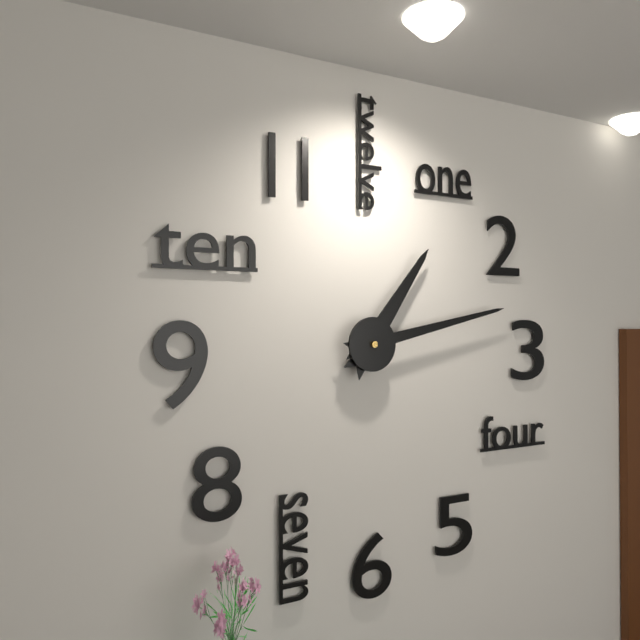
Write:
1,13
